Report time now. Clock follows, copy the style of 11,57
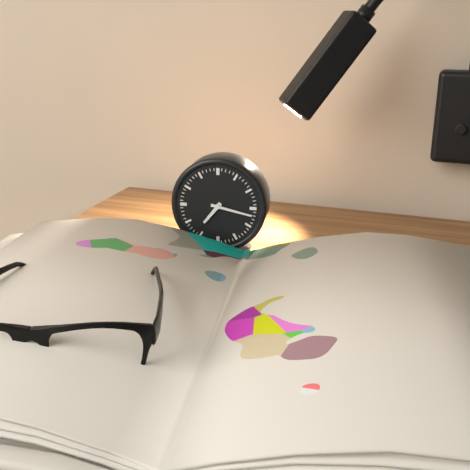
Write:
7,17
